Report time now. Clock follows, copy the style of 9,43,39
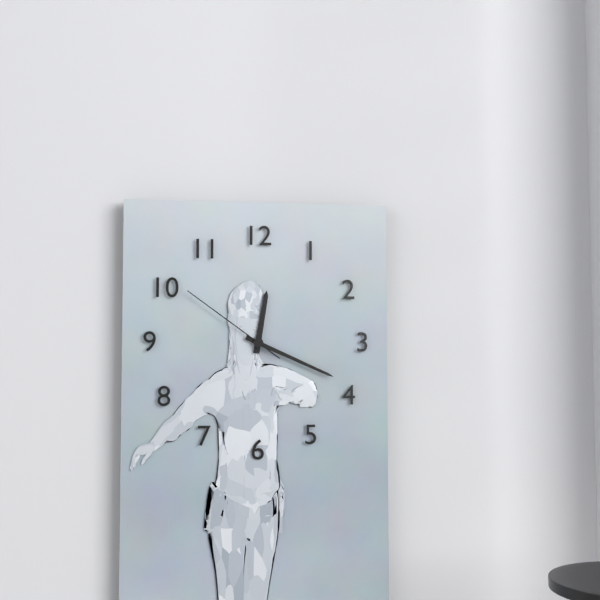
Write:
12,19,51
